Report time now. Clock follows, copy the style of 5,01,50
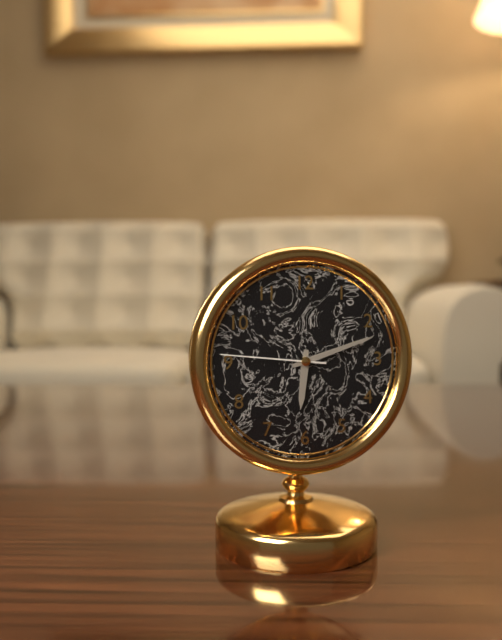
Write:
6,12,46
